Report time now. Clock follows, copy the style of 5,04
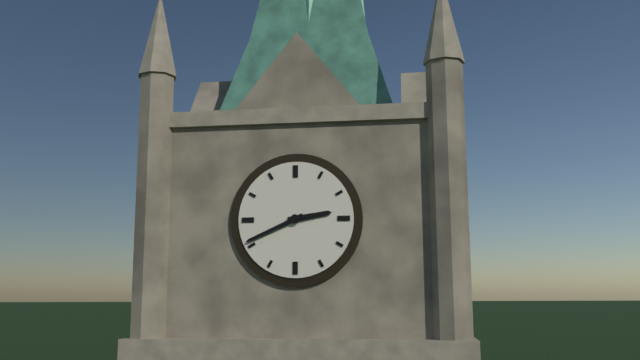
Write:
2,41
